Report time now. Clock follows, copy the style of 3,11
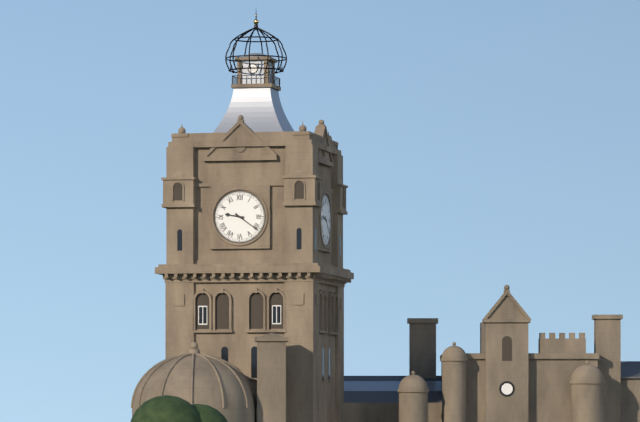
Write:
9,21
